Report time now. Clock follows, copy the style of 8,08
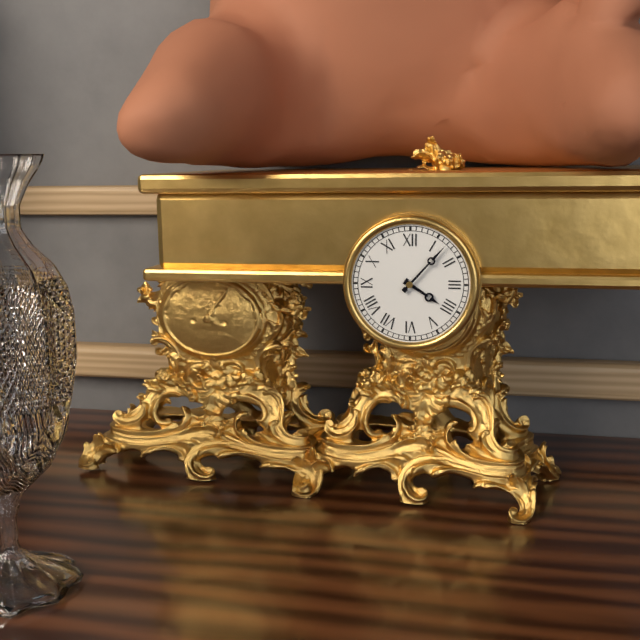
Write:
4,07
